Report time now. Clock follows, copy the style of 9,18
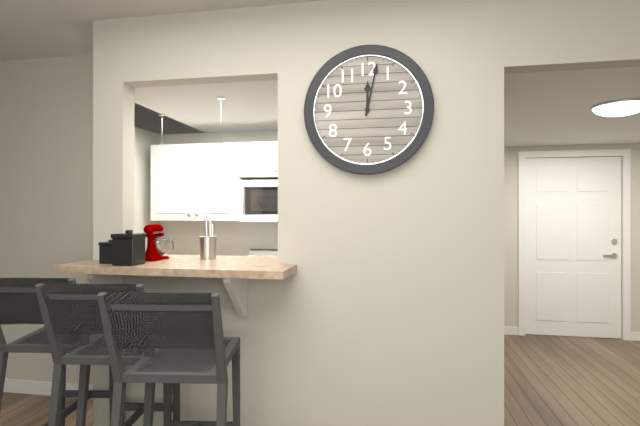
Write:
12,02
